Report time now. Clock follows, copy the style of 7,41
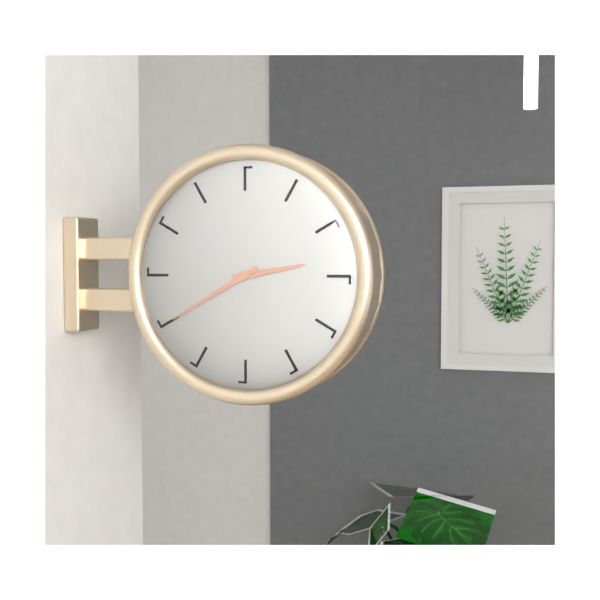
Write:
2,40
